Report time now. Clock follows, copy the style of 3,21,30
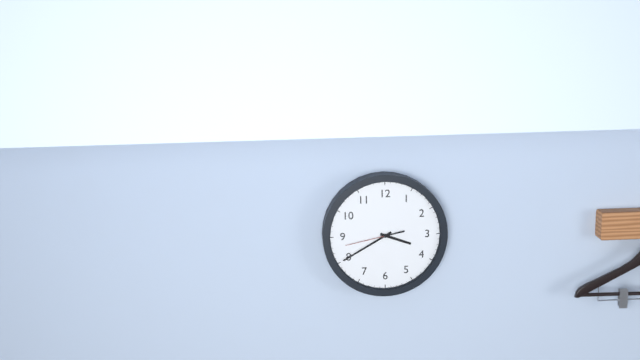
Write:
3,40,43
